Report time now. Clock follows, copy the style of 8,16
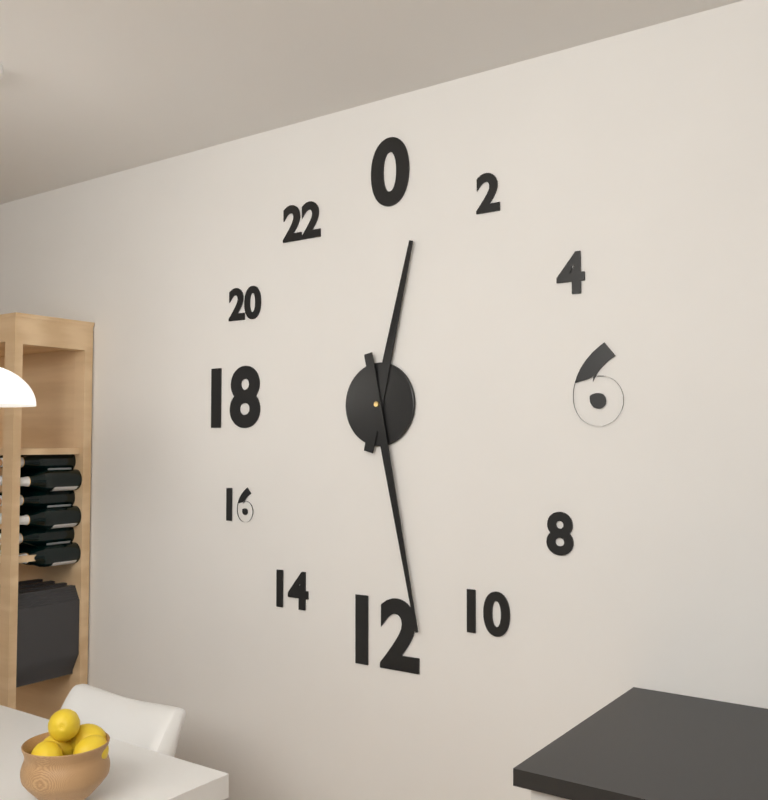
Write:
12,28
